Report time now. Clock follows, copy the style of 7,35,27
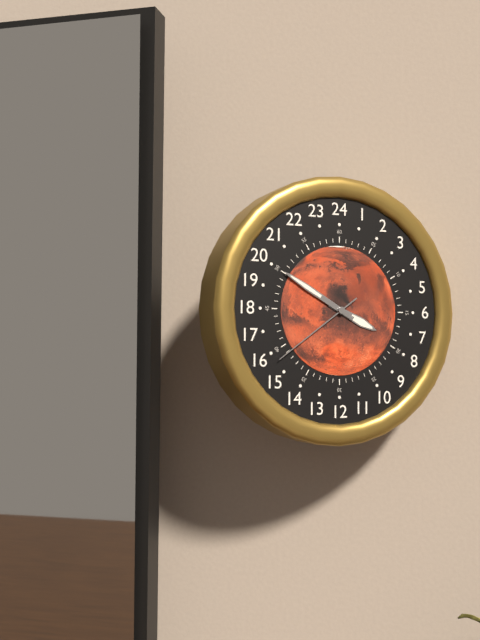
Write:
3,50,39
